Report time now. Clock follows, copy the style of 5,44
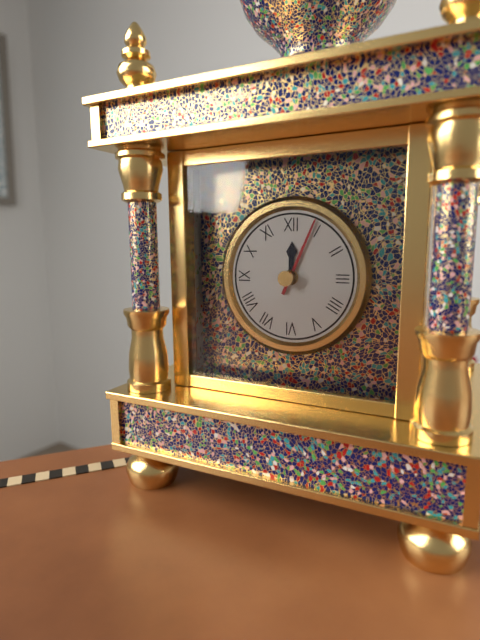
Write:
12,04
